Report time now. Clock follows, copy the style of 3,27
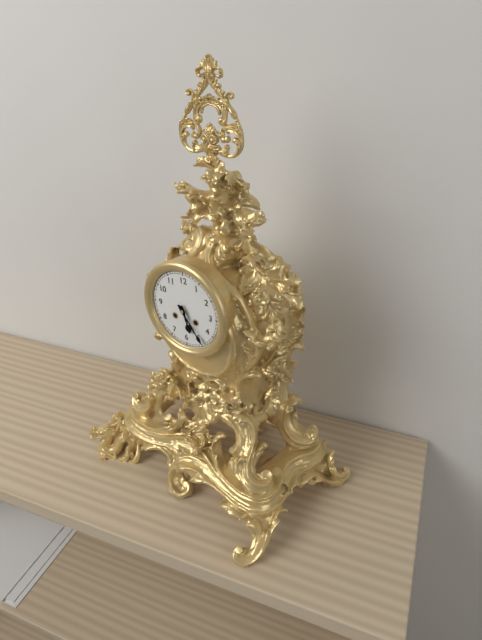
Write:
5,24
